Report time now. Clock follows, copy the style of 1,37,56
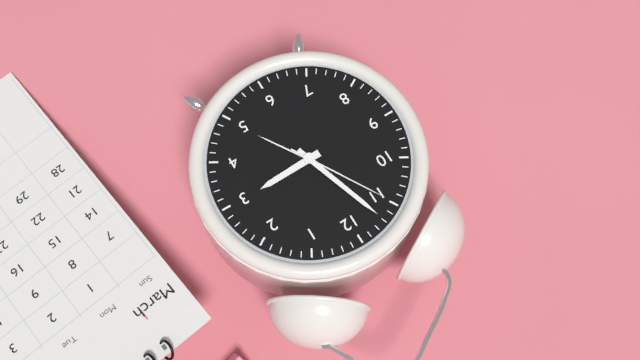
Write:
2,57,55
